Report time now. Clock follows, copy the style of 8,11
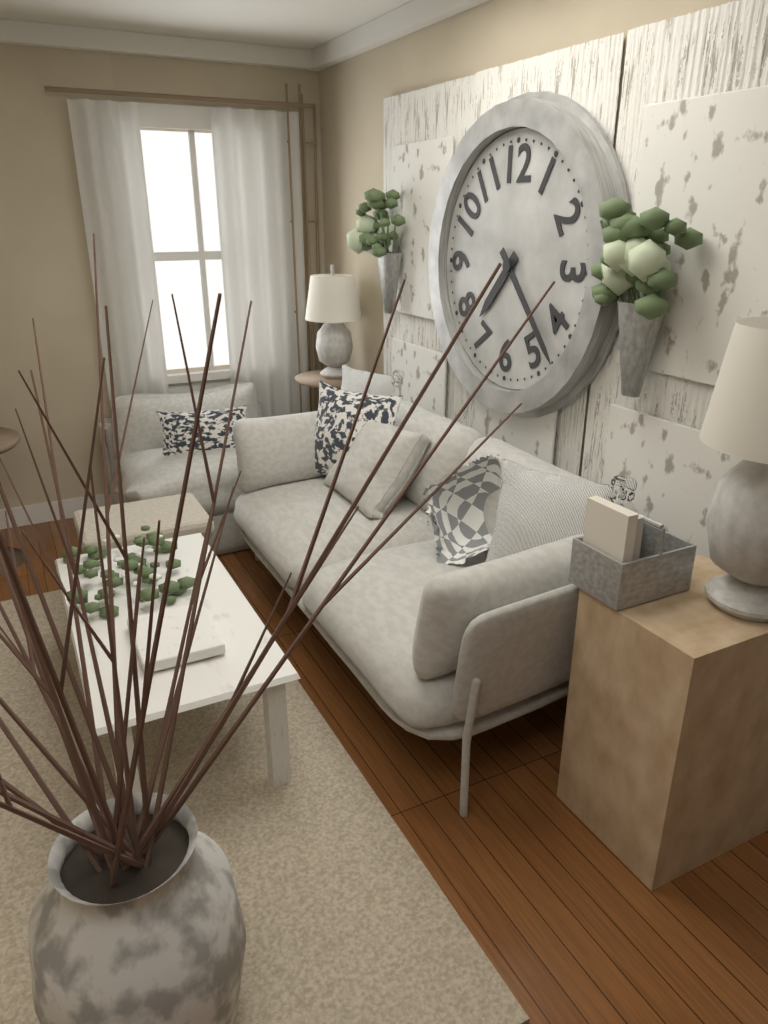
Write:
7,23
